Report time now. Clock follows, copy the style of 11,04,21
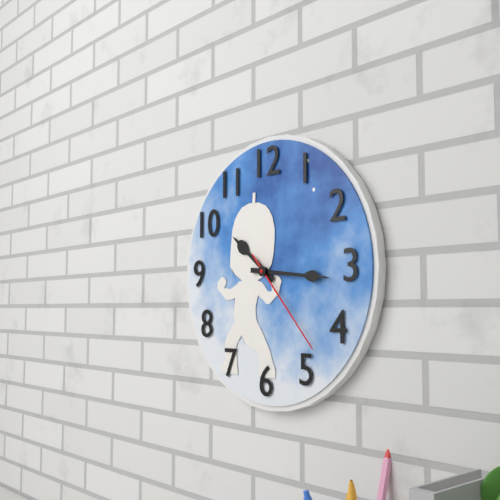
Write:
10,16,23
